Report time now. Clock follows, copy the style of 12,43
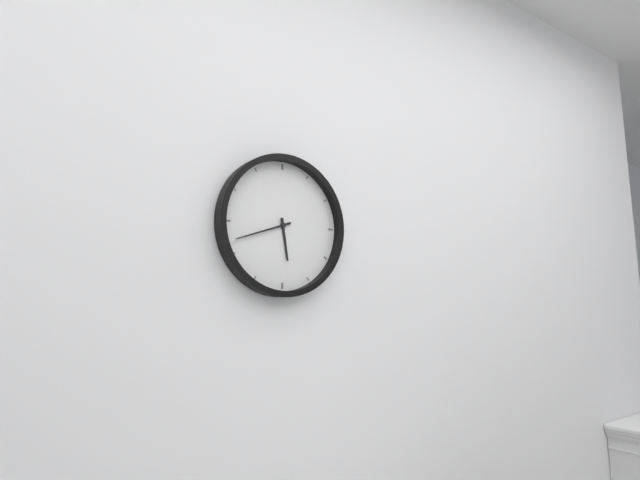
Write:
5,42
